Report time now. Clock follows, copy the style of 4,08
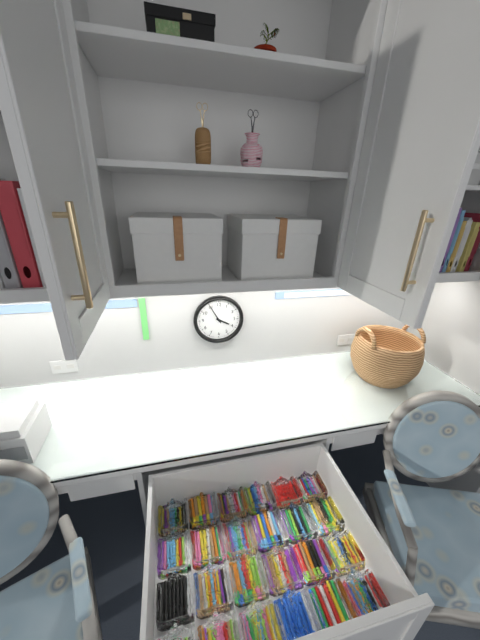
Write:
3,55
